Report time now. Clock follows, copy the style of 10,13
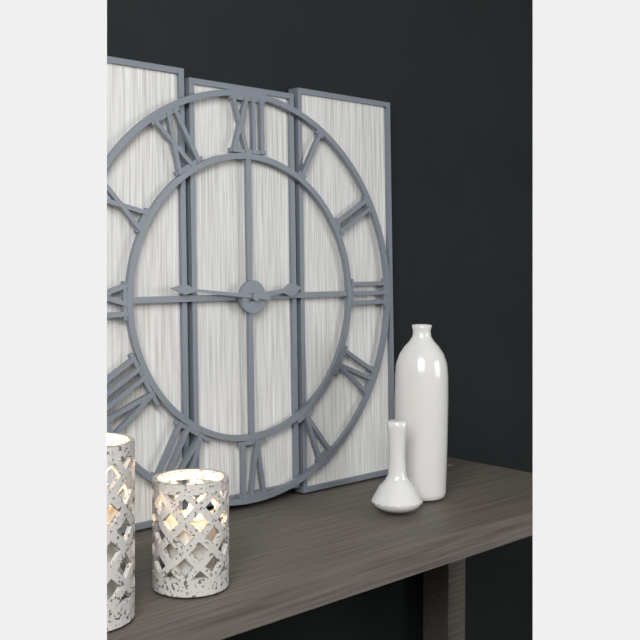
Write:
2,46
